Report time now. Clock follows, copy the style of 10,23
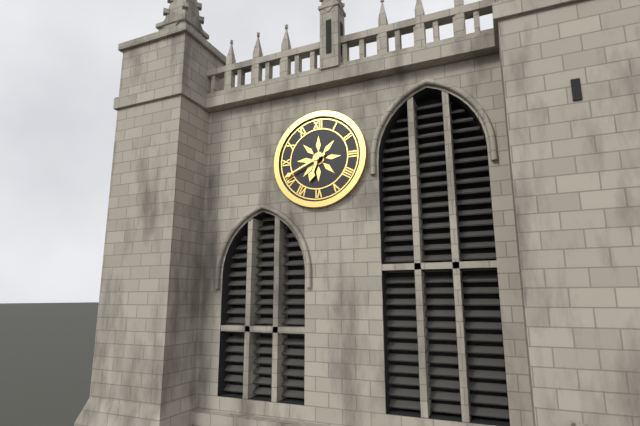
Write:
6,41
